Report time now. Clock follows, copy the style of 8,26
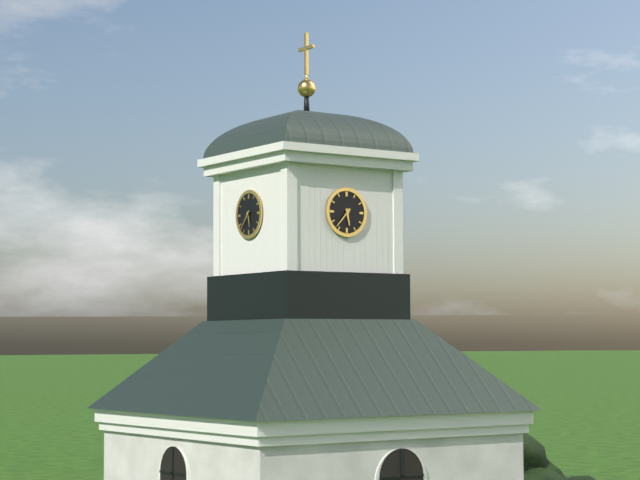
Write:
5,37
